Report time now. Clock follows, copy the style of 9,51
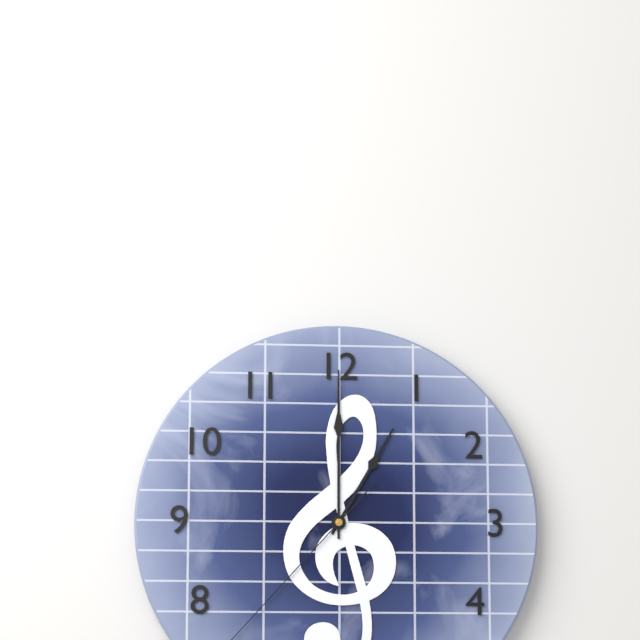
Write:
1,00
